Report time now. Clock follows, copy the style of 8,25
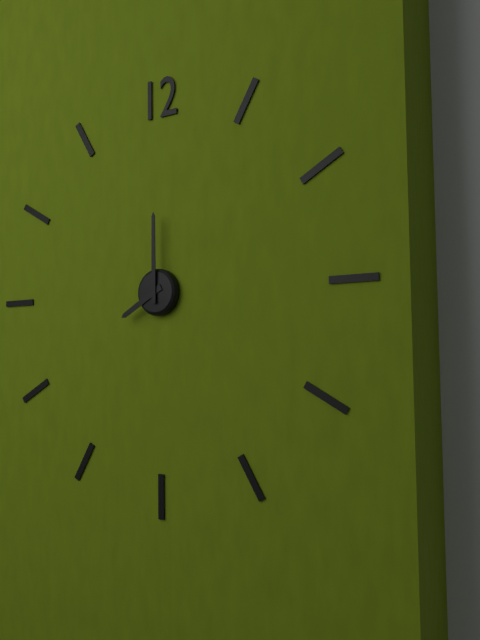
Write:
8,00
